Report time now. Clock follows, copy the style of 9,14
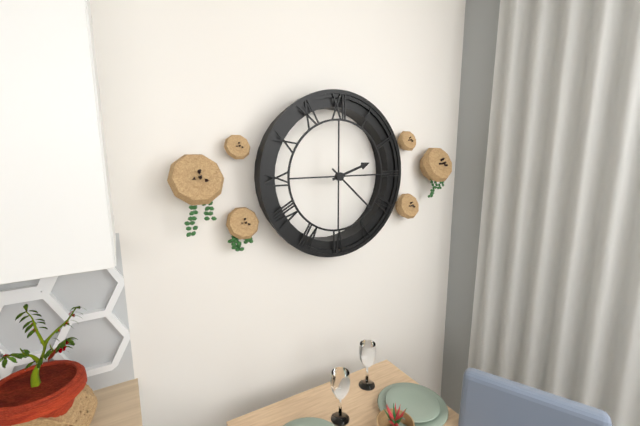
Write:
2,22
